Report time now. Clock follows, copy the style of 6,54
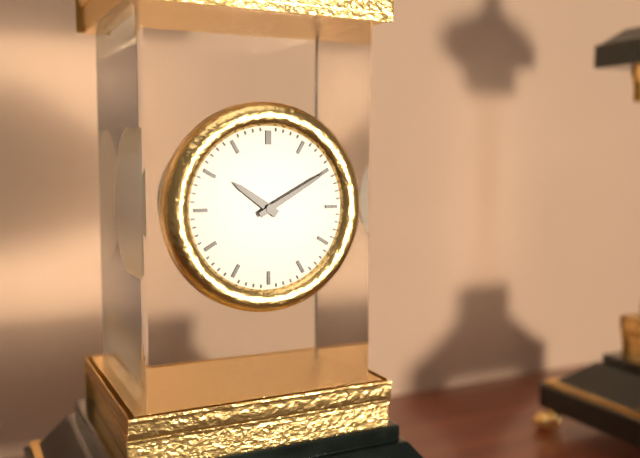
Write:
10,10
